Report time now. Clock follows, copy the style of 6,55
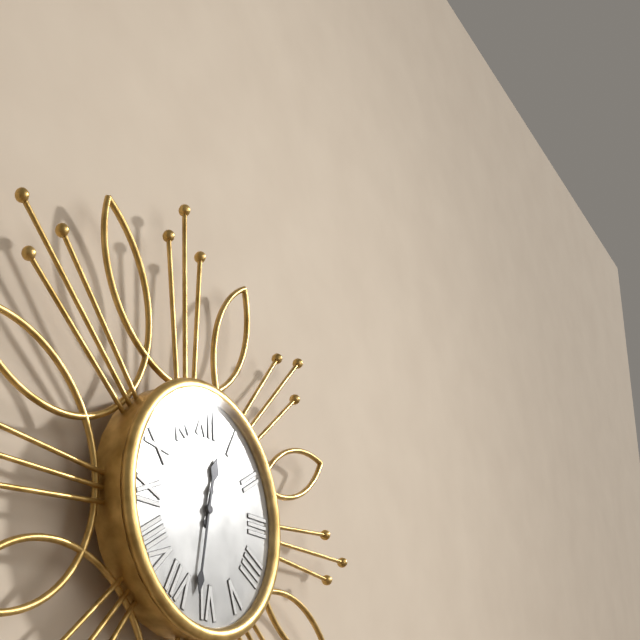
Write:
12,32
